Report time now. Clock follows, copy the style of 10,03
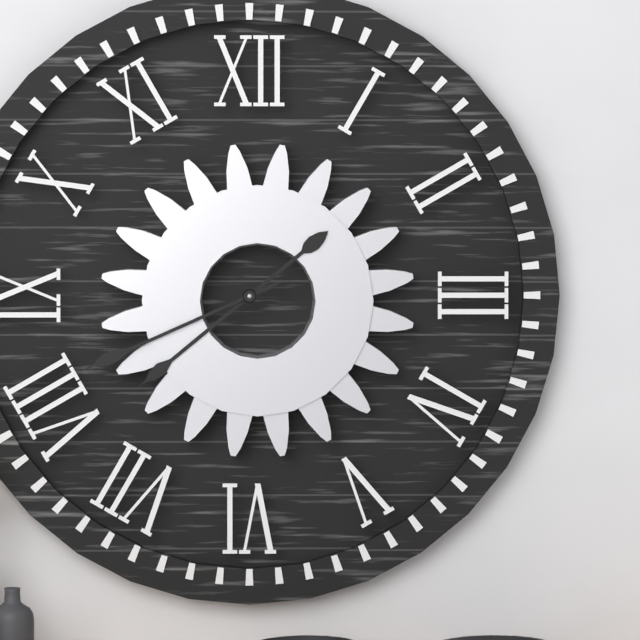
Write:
7,41
